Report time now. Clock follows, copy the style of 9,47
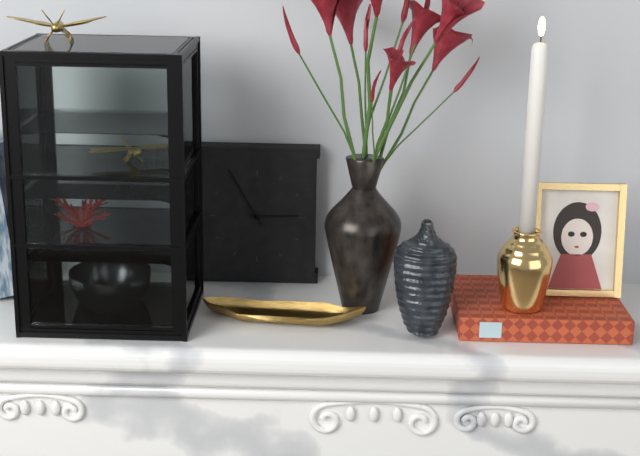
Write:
2,55
